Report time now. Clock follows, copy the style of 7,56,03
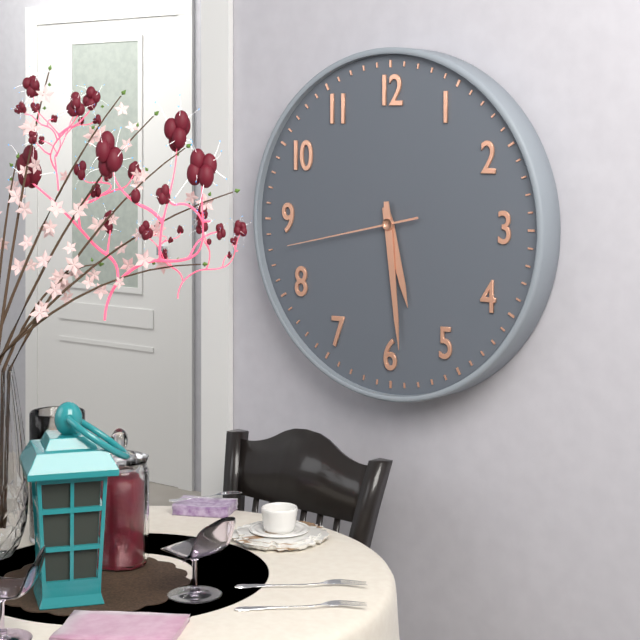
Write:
5,29,43
